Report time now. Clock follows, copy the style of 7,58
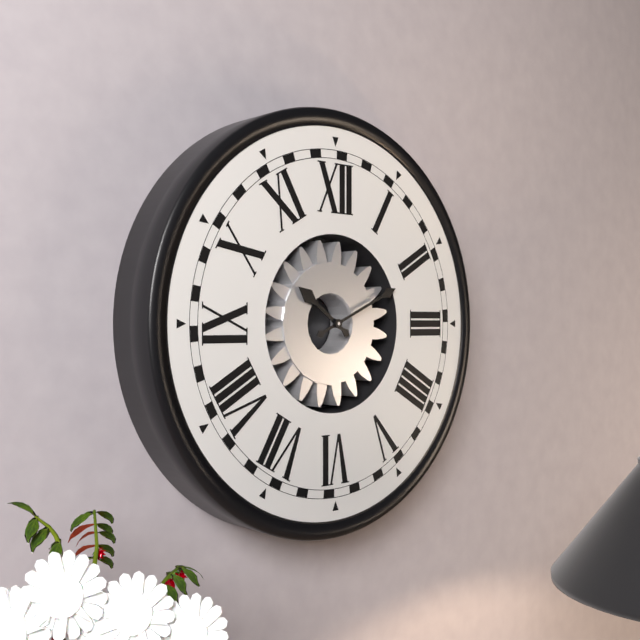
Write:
10,11
